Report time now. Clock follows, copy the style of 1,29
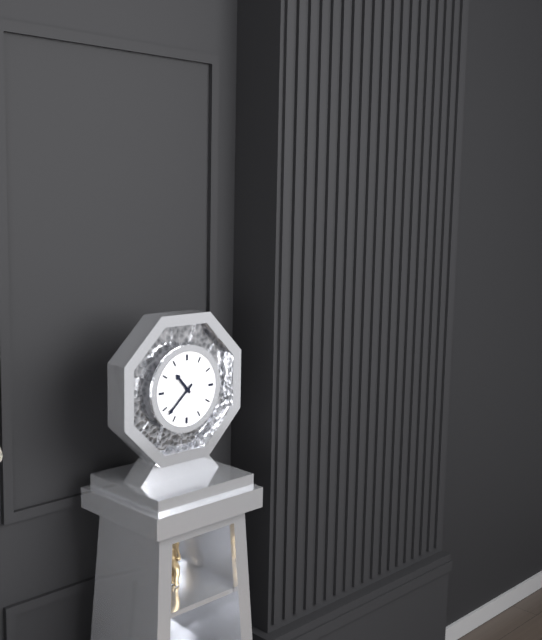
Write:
10,38
